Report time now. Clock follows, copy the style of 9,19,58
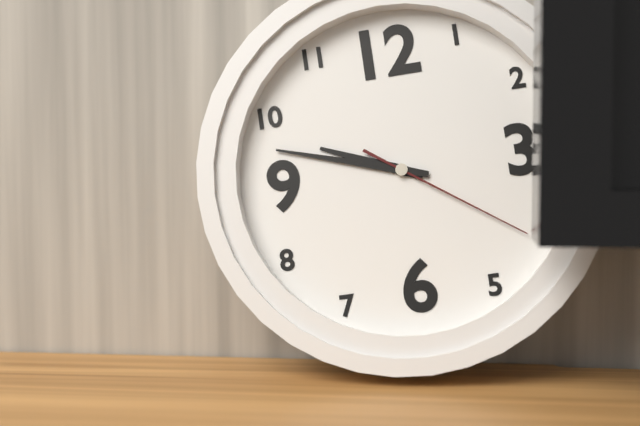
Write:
9,48,21
